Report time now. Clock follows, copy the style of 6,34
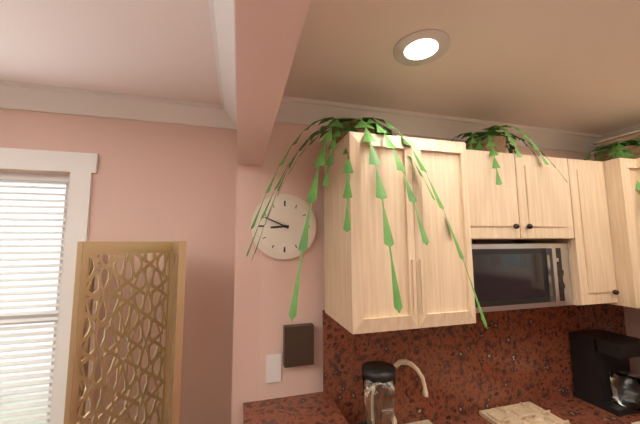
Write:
8,49
